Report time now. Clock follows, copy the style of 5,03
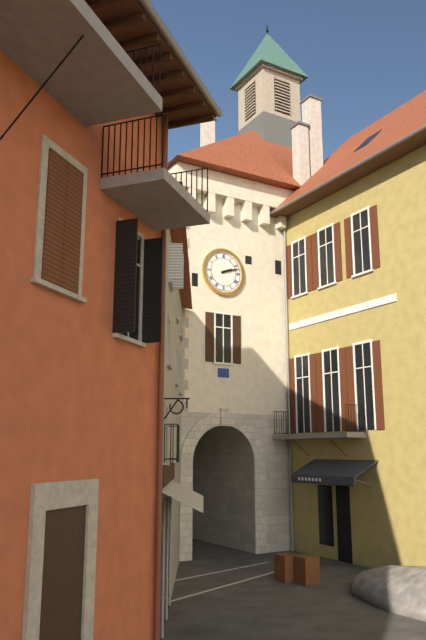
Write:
2,12
